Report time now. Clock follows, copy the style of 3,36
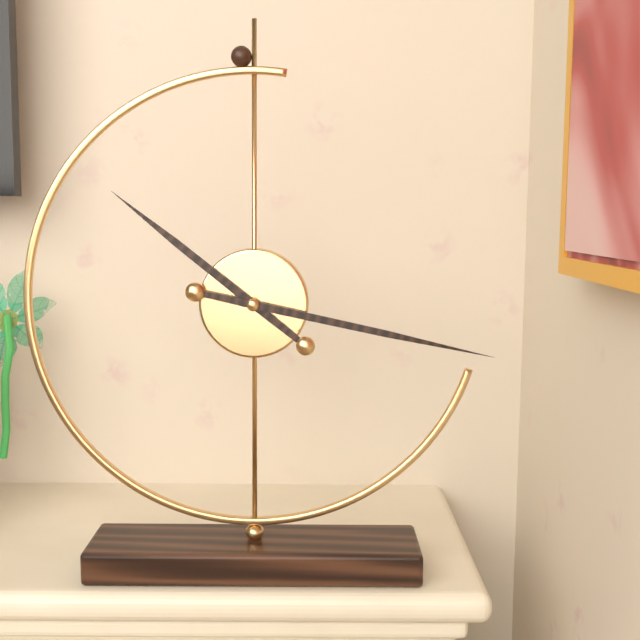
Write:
10,17
